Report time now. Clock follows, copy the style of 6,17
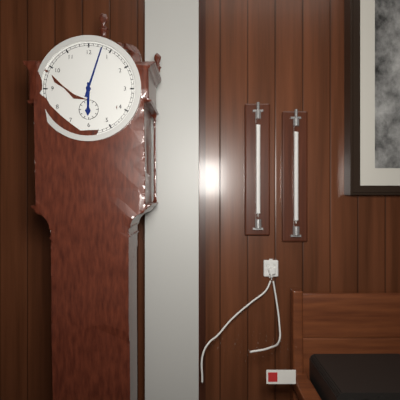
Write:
6,03
